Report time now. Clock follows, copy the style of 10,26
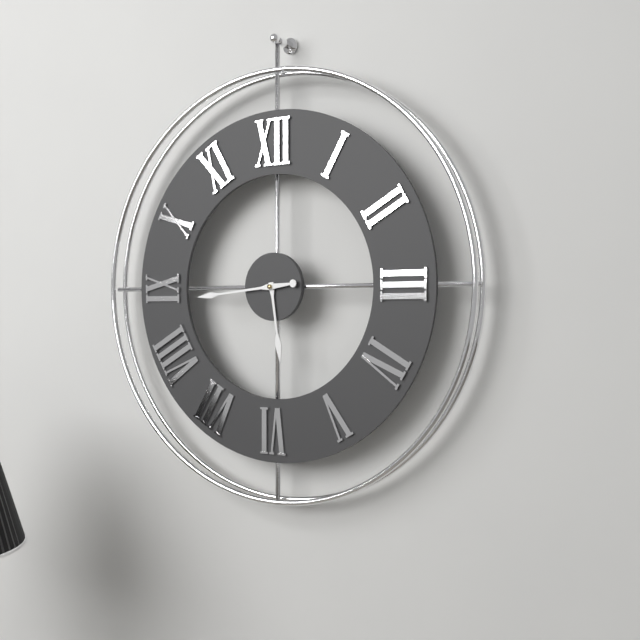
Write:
5,44
